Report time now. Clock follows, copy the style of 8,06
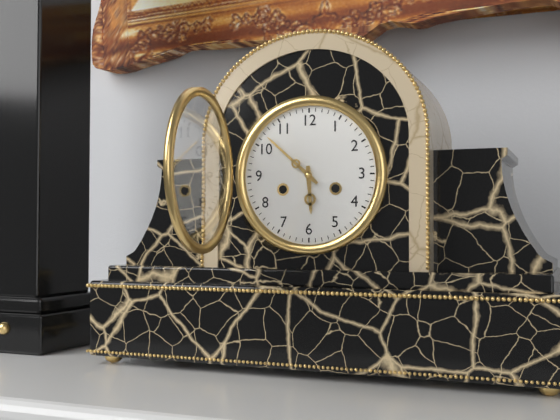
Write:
5,52
